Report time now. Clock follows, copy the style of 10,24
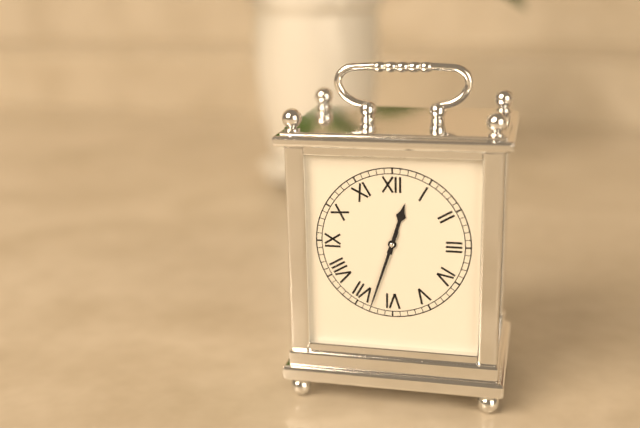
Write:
12,33
